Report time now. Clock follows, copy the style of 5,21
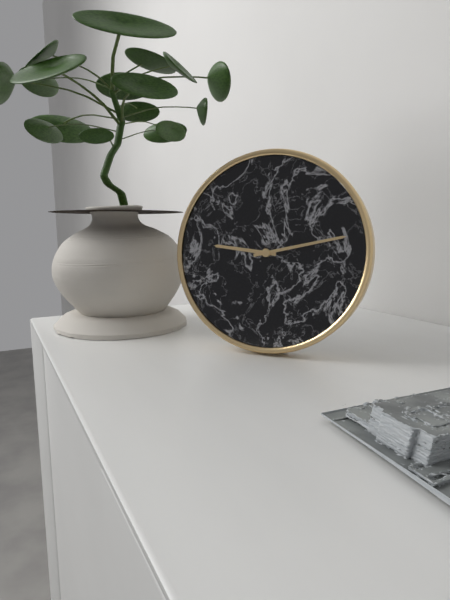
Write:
9,13
